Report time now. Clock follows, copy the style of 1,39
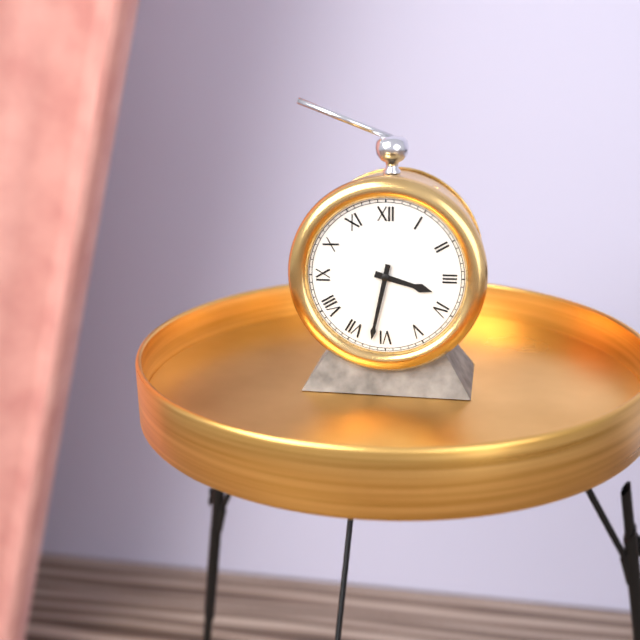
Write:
3,32
